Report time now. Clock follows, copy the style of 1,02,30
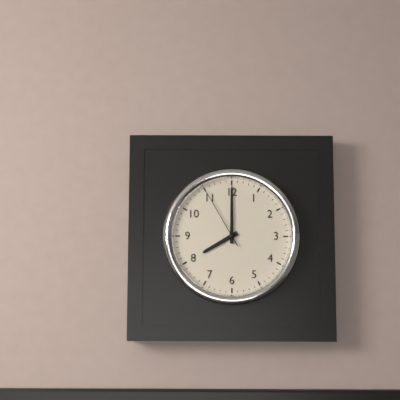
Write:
8,00,55
